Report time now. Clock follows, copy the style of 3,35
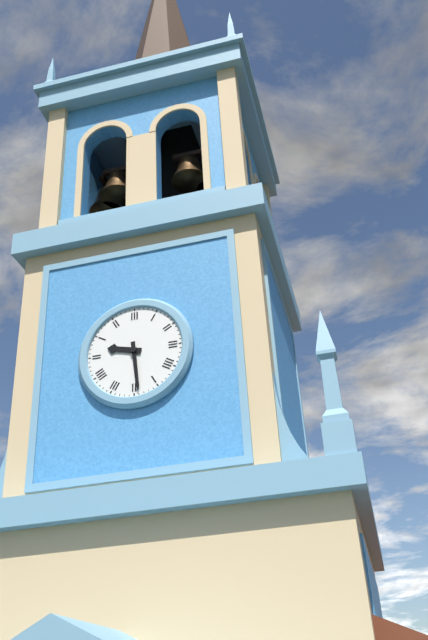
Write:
9,29
